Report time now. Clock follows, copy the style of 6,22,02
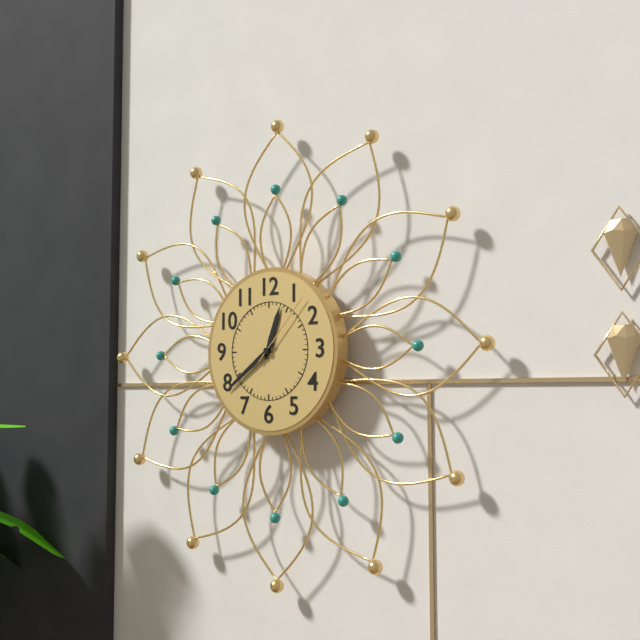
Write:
12,39,07
